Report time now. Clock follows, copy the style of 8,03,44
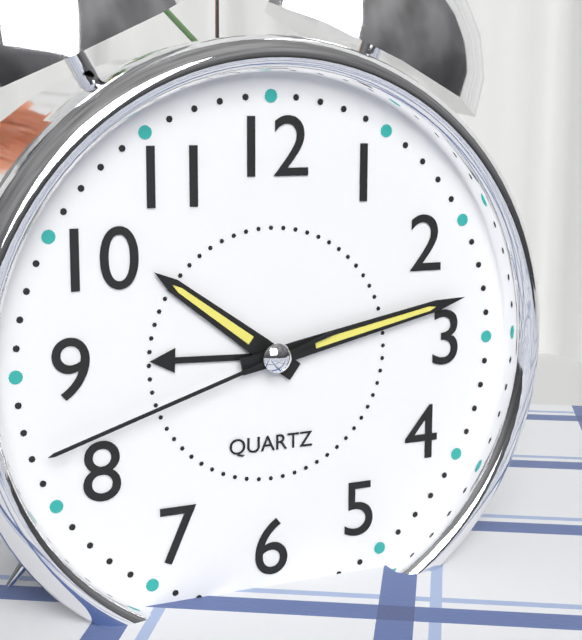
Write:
10,13,42
